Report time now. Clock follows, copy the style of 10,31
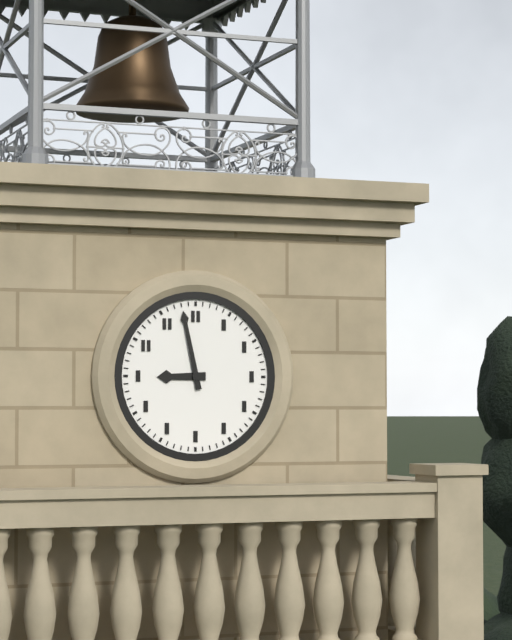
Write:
8,58
